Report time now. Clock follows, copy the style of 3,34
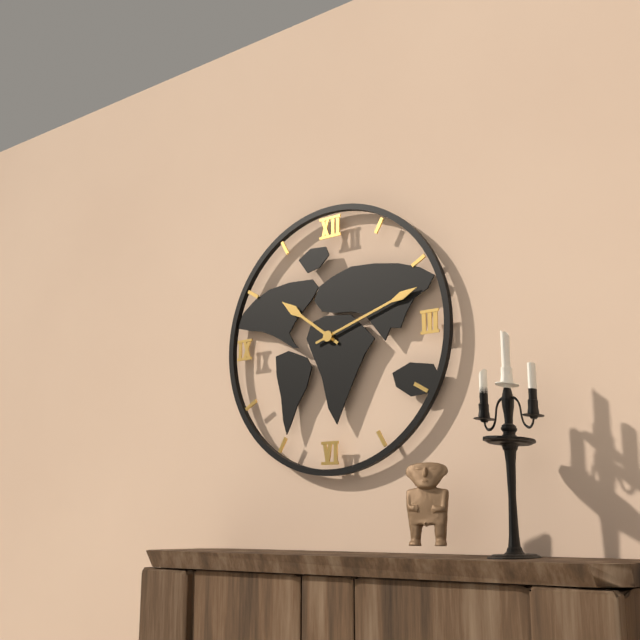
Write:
10,12
